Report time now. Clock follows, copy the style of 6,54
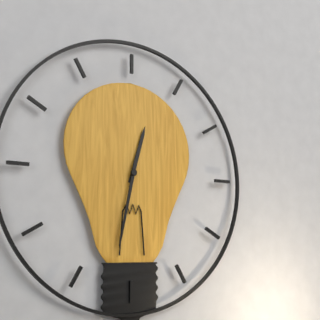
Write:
12,32
